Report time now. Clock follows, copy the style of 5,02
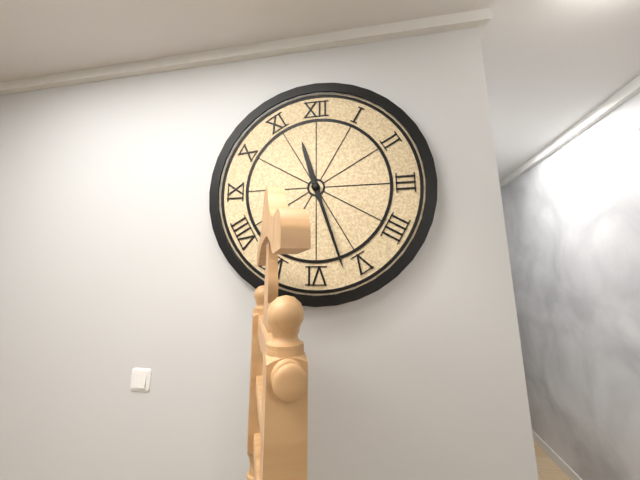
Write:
11,27
